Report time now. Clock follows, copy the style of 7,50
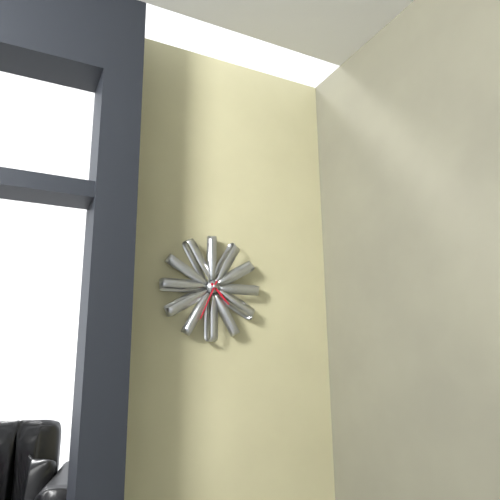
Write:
4,34
